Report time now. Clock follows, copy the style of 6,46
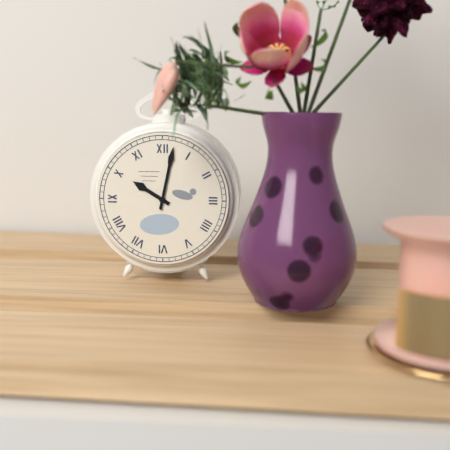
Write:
10,02
